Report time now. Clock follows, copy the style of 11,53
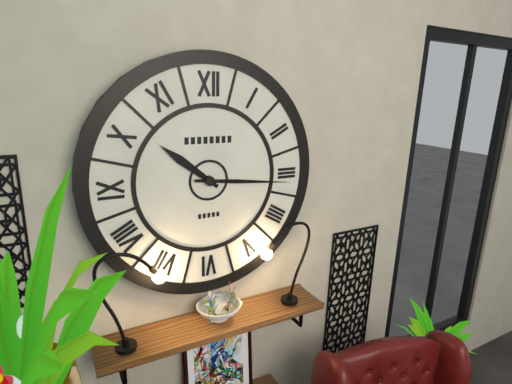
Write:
10,16
